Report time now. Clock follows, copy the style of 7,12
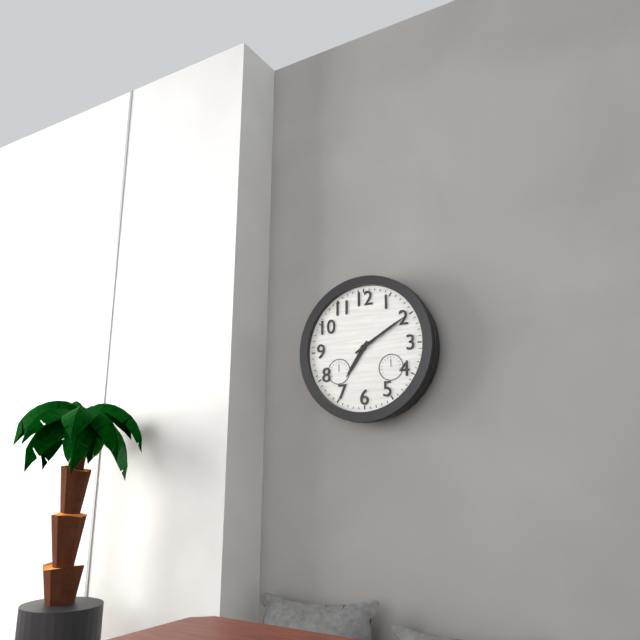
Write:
7,10
